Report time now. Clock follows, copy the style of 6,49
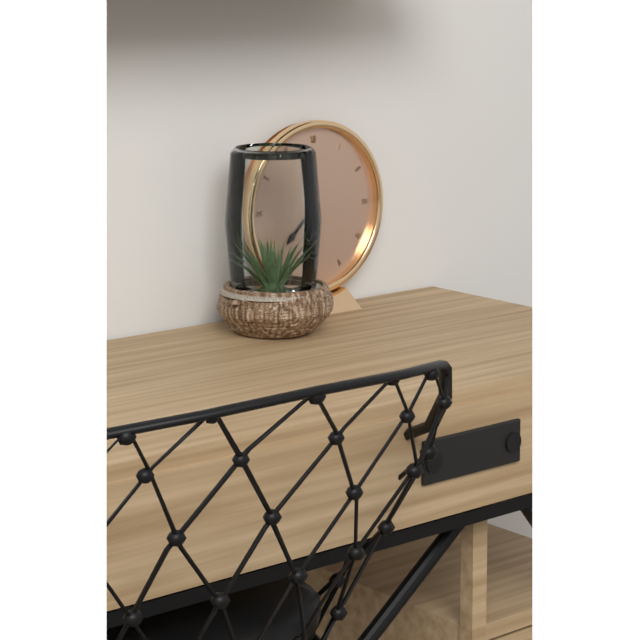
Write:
7,31
